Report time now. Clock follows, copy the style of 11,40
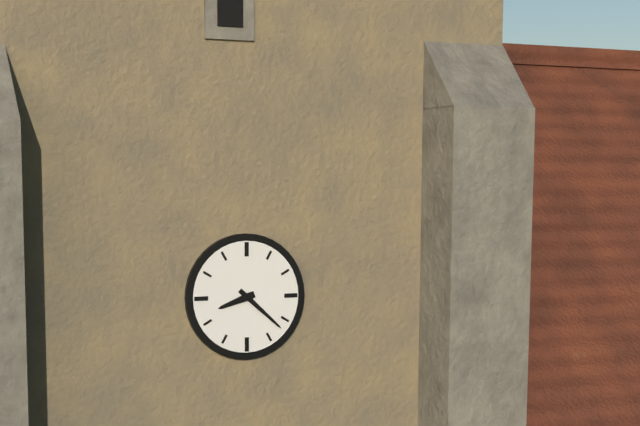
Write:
8,22
